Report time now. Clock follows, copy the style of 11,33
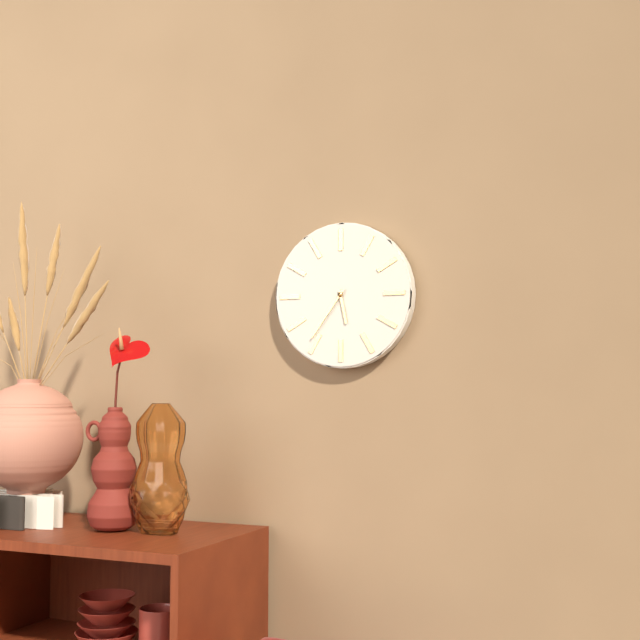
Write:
5,36
